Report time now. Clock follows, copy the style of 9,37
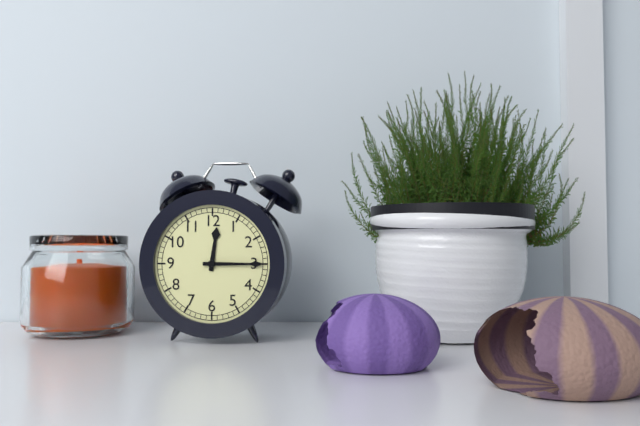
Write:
12,15
